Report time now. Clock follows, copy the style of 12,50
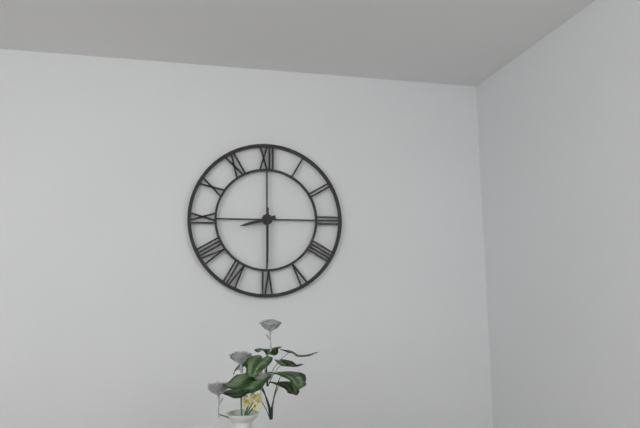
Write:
8,30
